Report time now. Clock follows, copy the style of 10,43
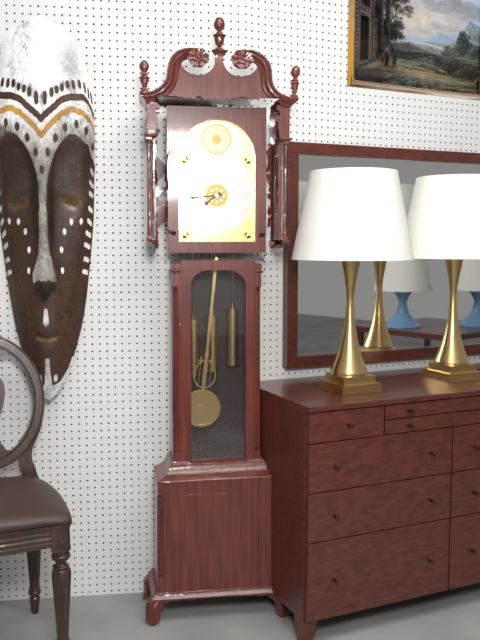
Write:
7,44
